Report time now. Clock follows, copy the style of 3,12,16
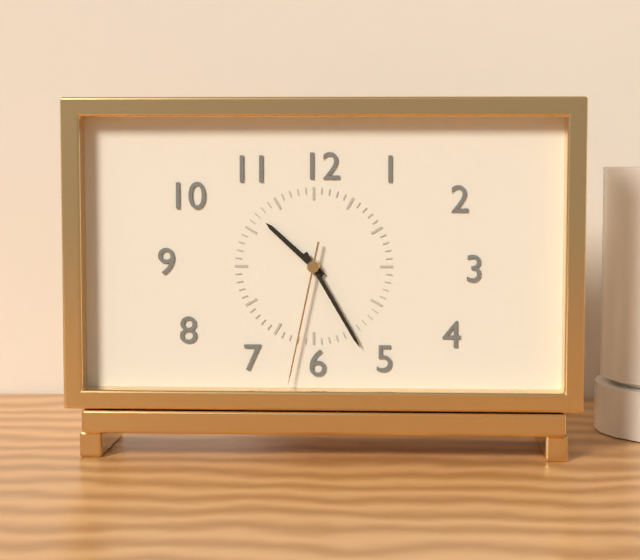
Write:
10,25,32
